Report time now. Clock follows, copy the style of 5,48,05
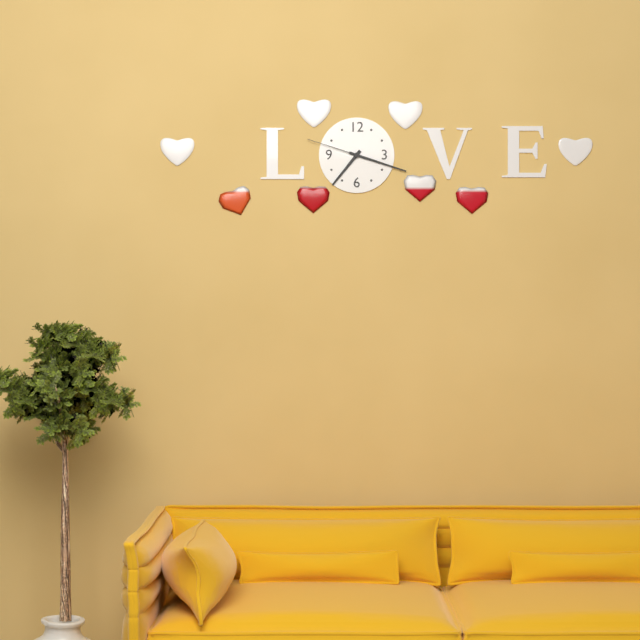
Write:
7,18,48
